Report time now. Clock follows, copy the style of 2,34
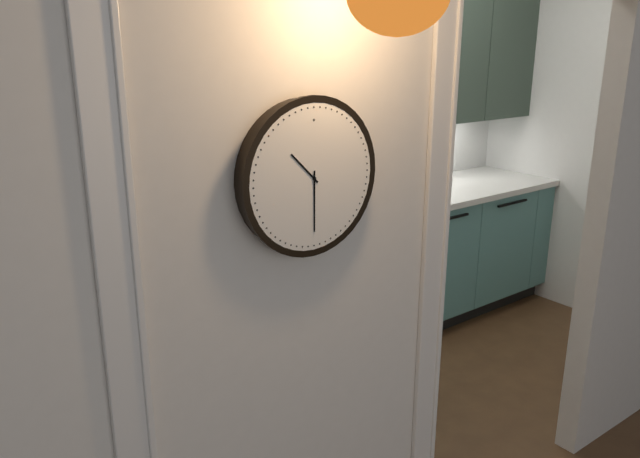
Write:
10,30
